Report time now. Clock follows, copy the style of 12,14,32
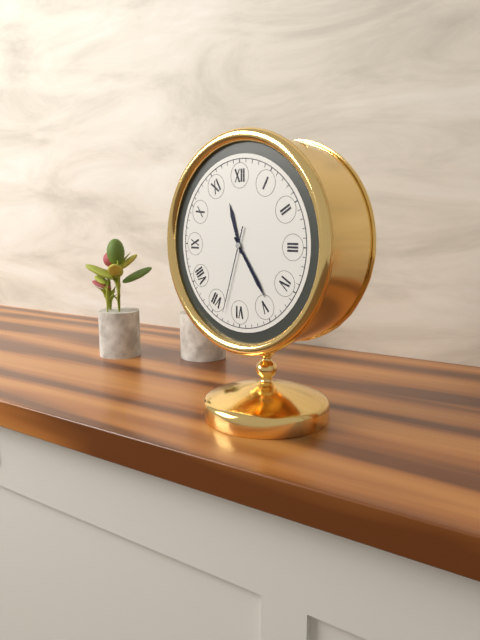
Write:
11,24,33
